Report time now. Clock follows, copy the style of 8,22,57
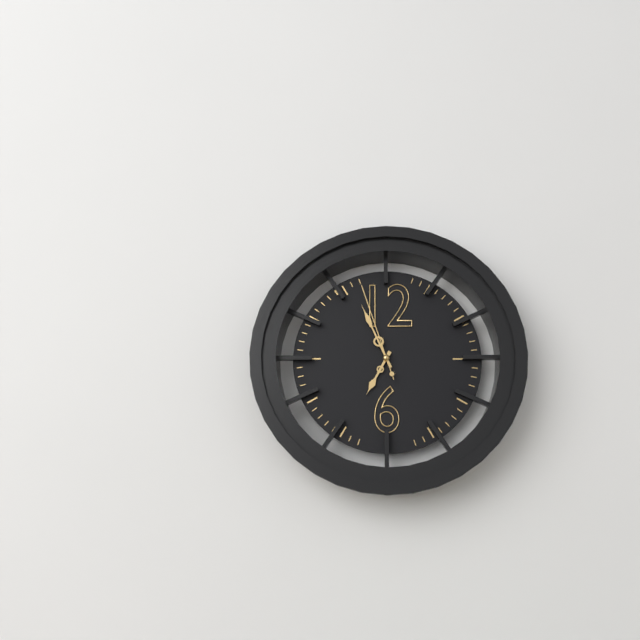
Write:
6,56,57
